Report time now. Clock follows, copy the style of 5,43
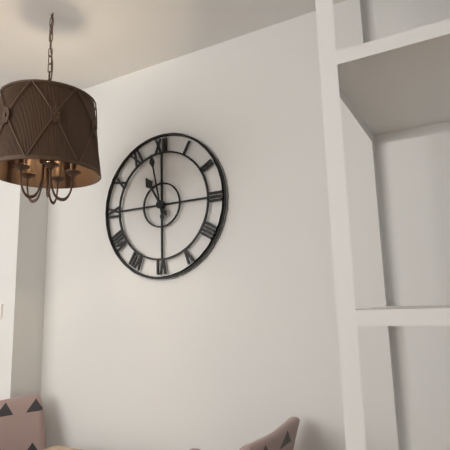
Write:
10,58
